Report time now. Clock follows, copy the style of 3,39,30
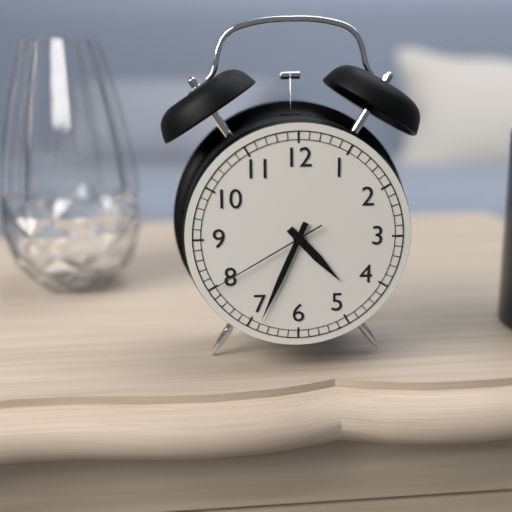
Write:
4,34,40
